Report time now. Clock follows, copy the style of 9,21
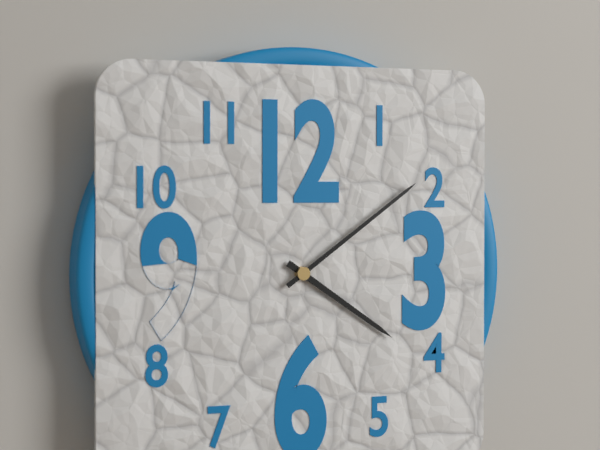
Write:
4,09
